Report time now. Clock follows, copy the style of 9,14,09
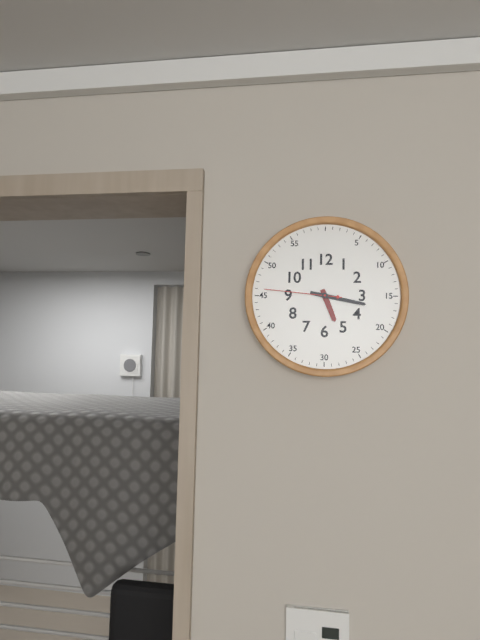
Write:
5,17,46
